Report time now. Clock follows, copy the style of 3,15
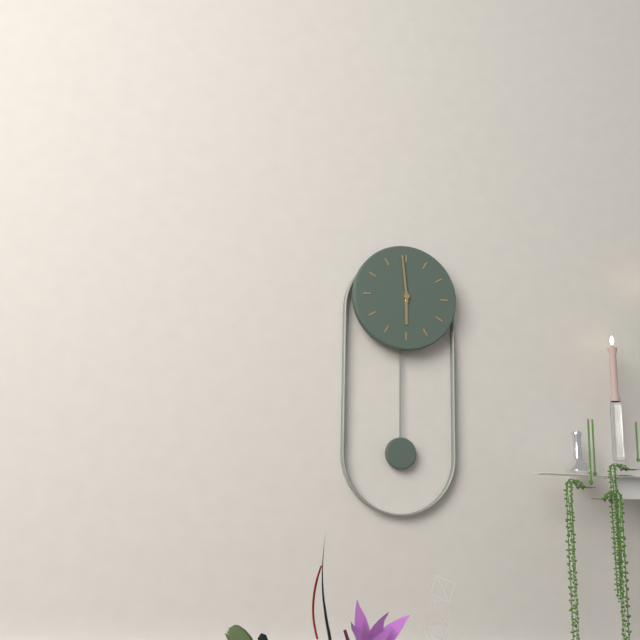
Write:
5,59
